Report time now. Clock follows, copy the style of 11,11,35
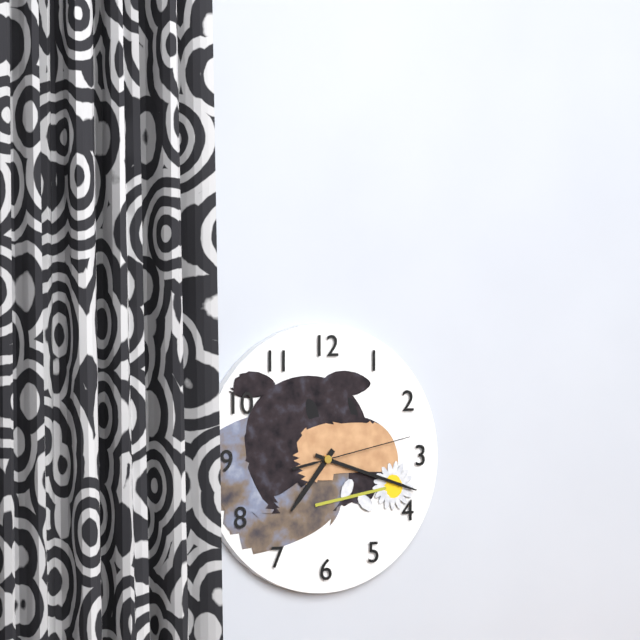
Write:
7,18,13
